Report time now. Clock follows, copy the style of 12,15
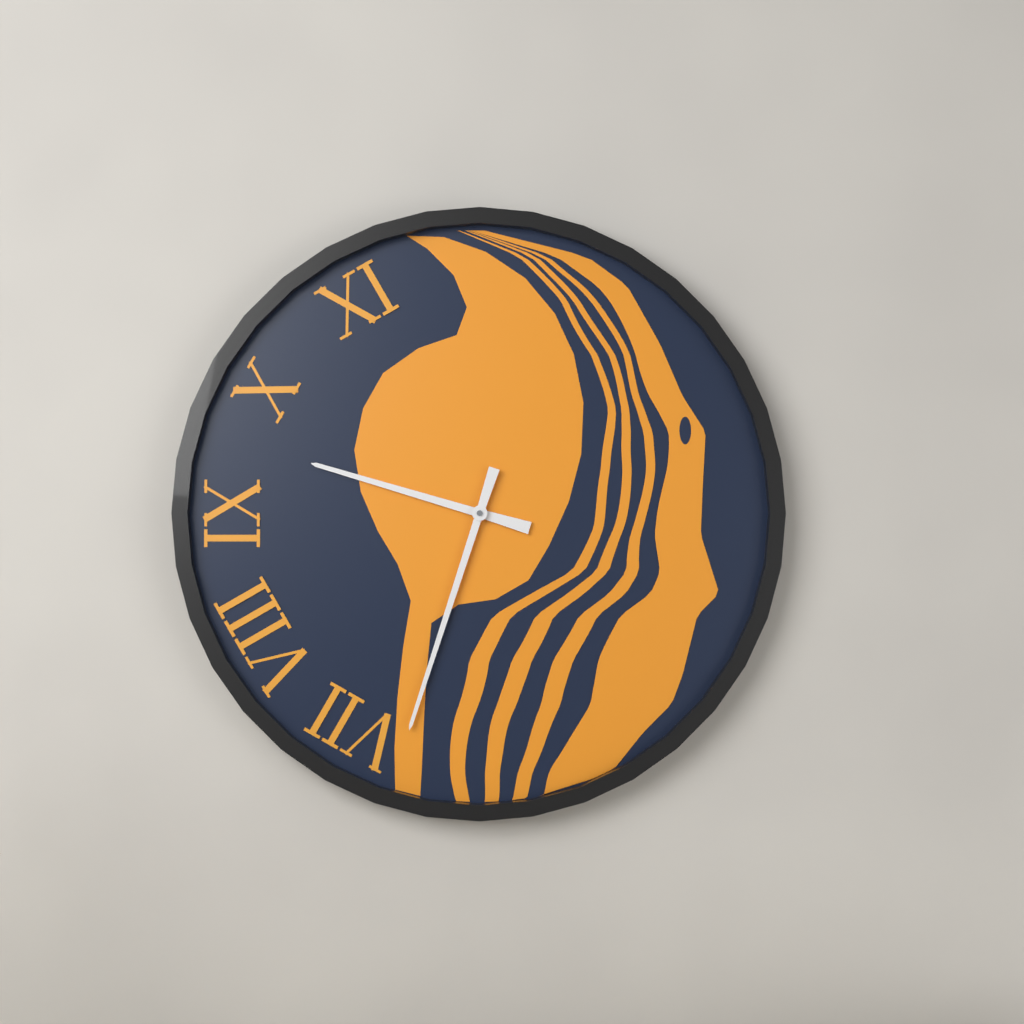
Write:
9,33
